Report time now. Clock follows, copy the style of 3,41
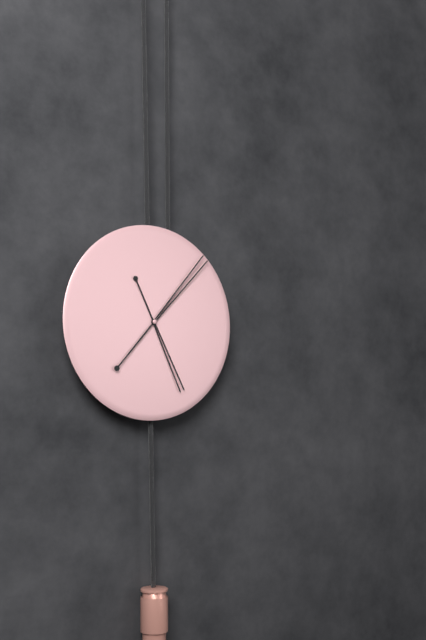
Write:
5,07
